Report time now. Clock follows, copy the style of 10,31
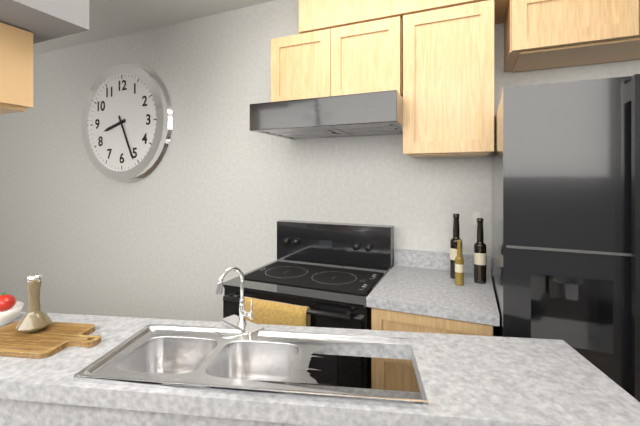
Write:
8,26
